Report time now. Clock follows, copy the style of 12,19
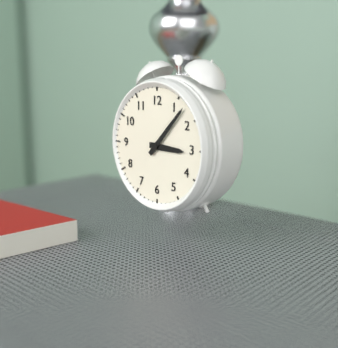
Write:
3,07
